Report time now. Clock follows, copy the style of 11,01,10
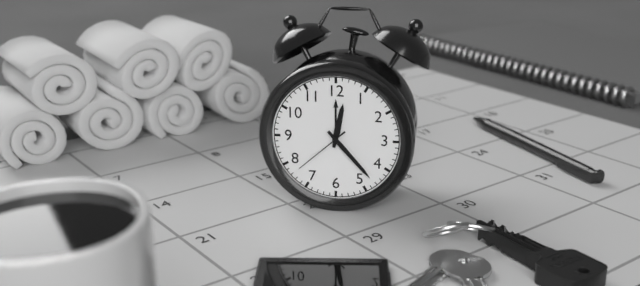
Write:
12,23,38
